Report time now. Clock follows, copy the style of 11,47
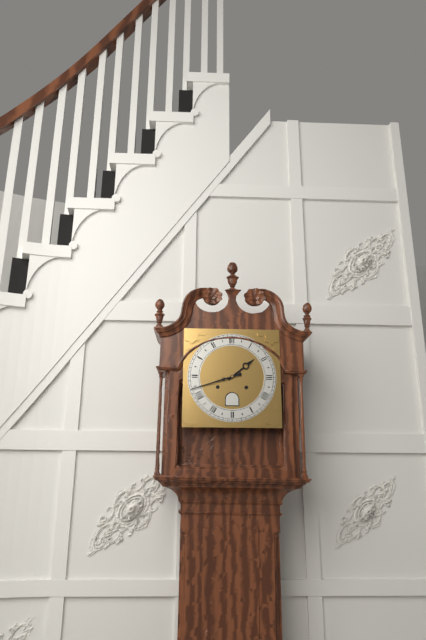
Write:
1,42
